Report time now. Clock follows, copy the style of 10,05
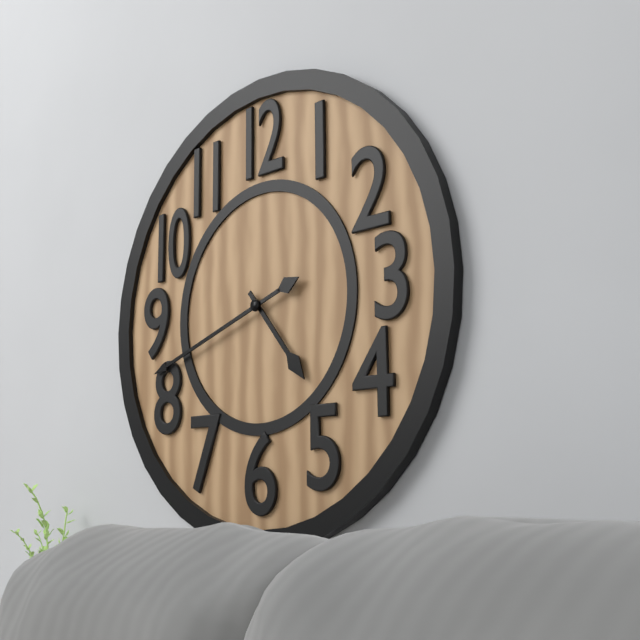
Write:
4,42
